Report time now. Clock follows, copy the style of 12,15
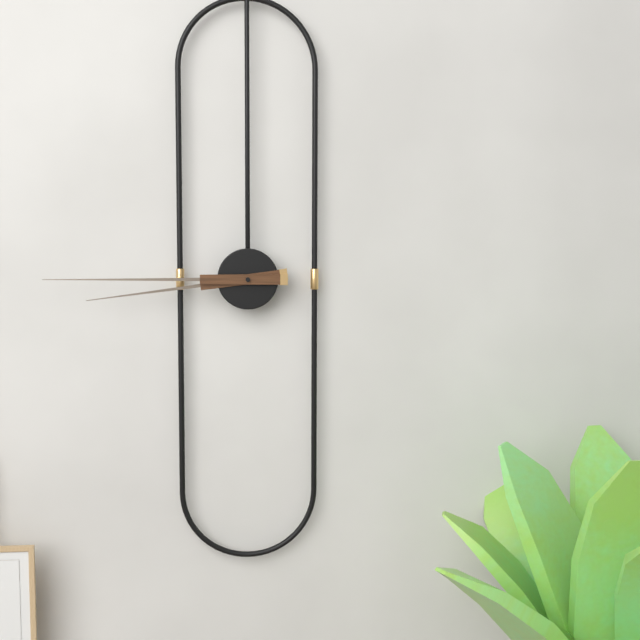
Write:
8,45
